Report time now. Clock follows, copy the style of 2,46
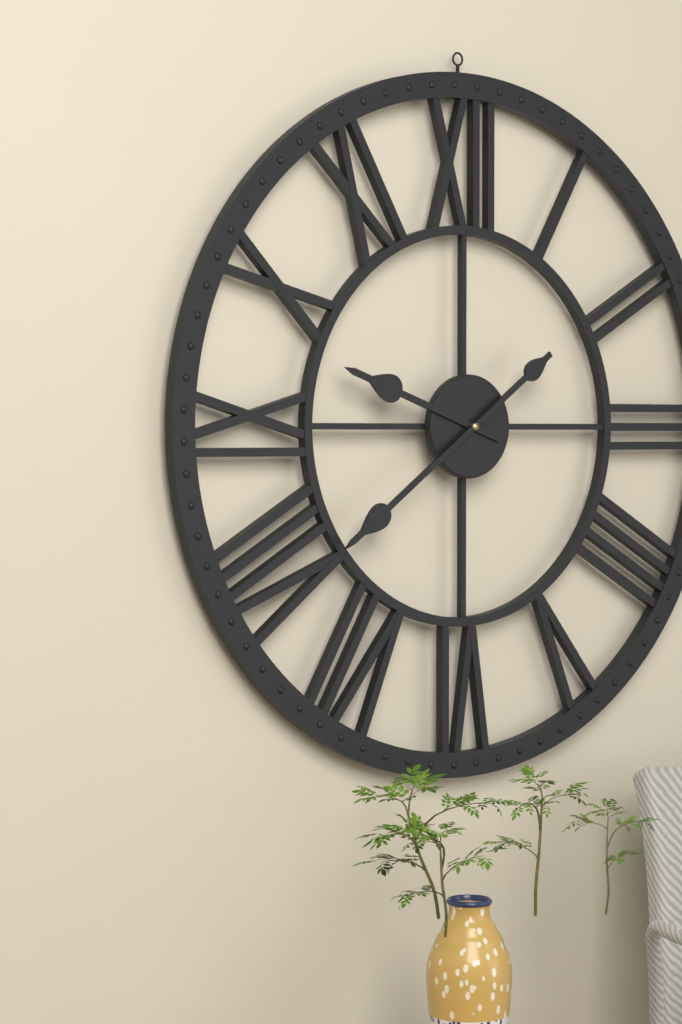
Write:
9,39
